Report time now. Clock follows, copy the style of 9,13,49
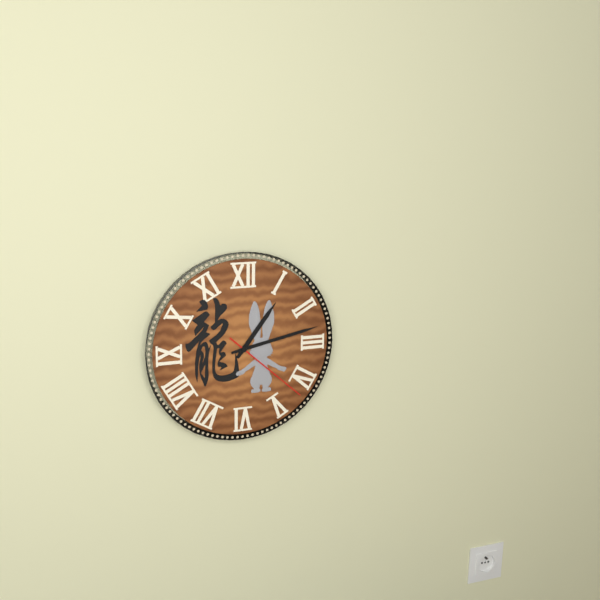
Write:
1,13,22
